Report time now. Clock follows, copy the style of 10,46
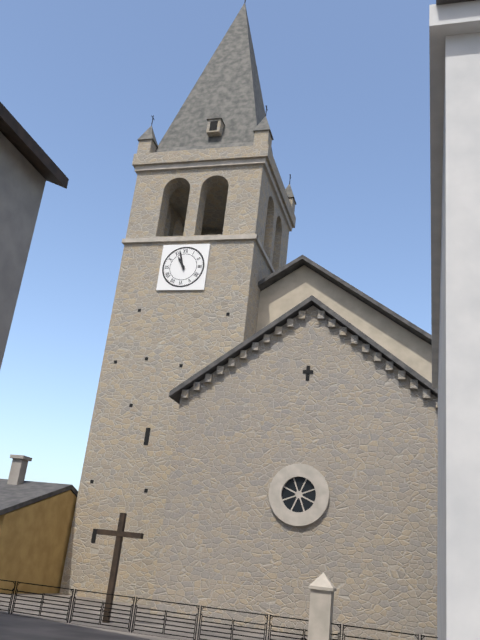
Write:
10,57
